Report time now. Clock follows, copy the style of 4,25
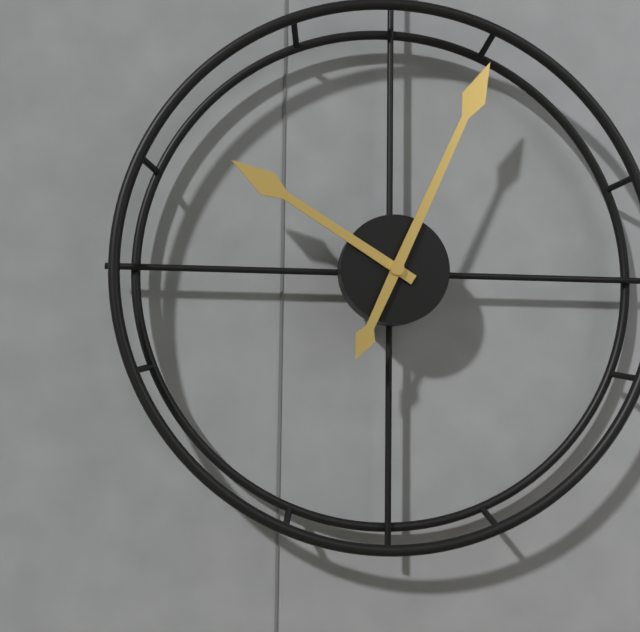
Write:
10,04
